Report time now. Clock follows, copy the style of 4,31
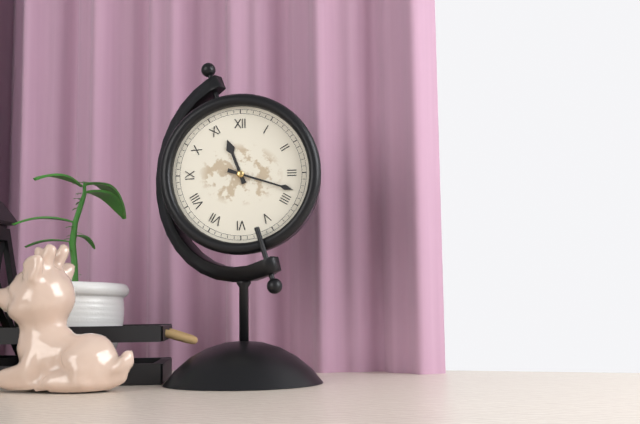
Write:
11,18
